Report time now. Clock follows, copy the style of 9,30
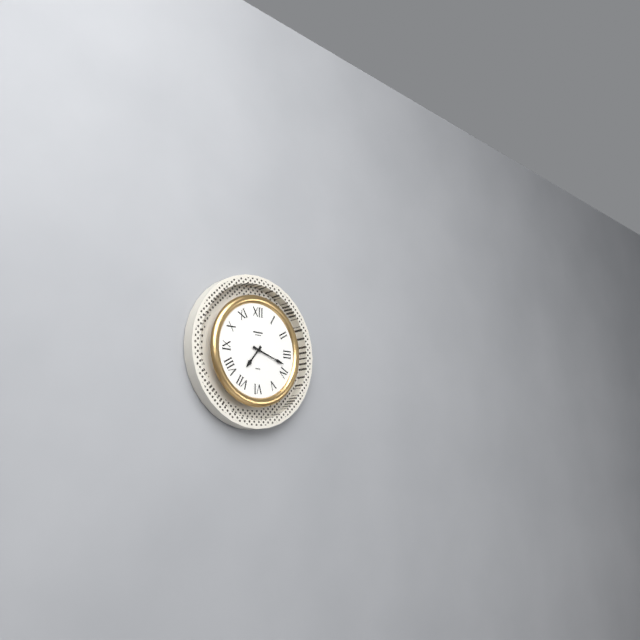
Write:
7,18
